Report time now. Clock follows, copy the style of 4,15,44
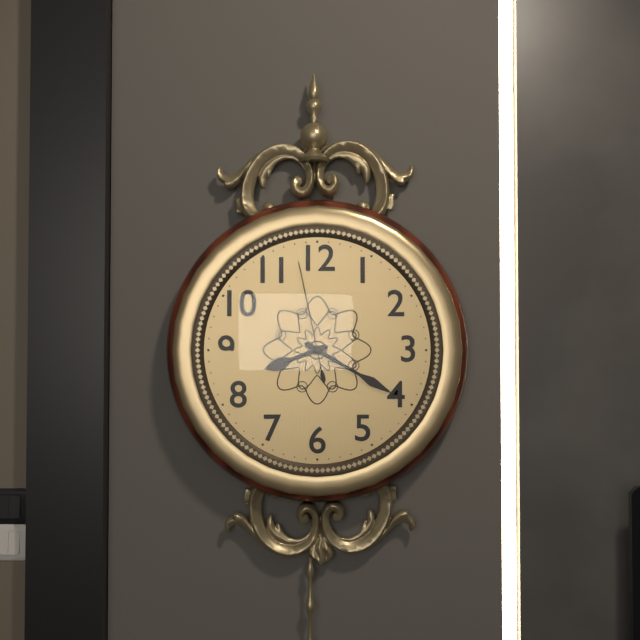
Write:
8,20,58
